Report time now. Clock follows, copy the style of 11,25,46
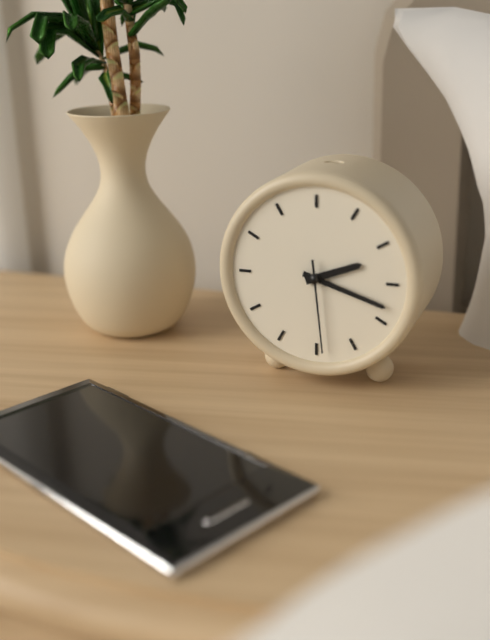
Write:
2,18,29
